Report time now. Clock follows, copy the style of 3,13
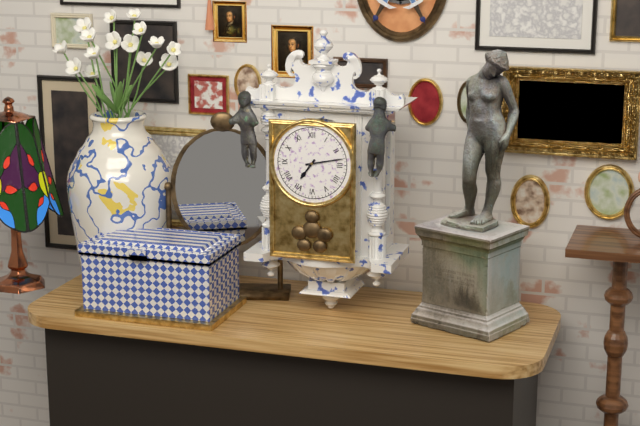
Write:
7,13
